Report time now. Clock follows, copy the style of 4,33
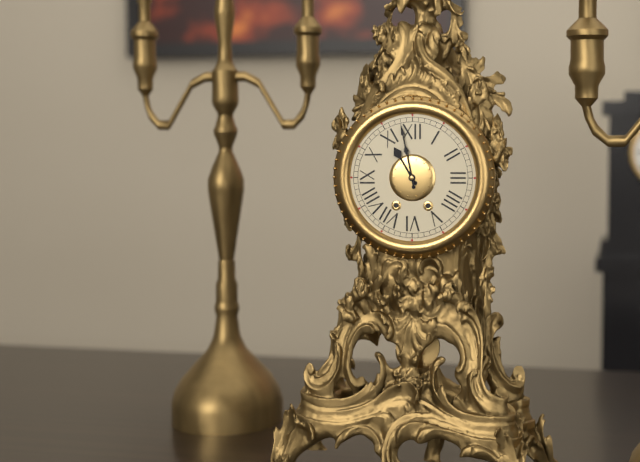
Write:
10,58
